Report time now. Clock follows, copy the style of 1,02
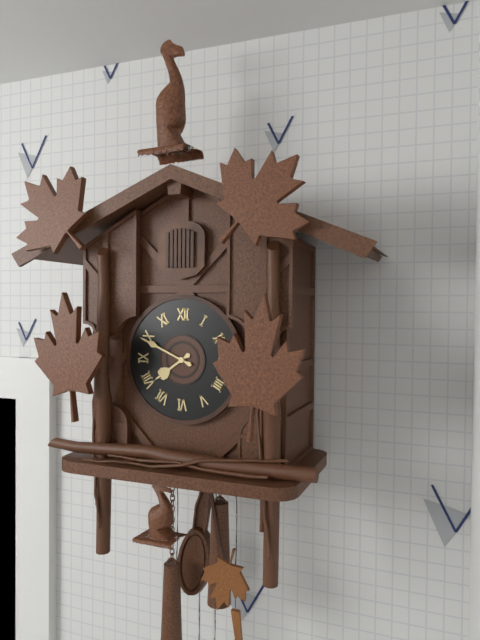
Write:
7,49
